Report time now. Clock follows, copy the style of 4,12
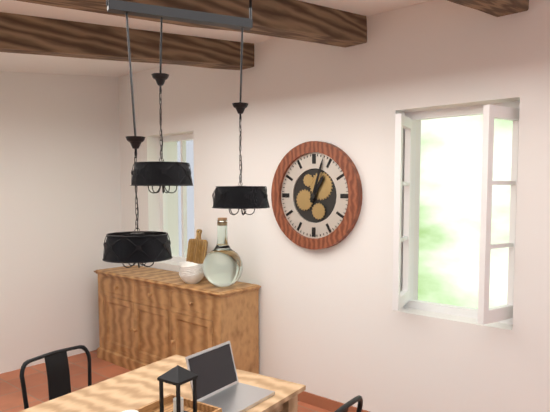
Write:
1,03
